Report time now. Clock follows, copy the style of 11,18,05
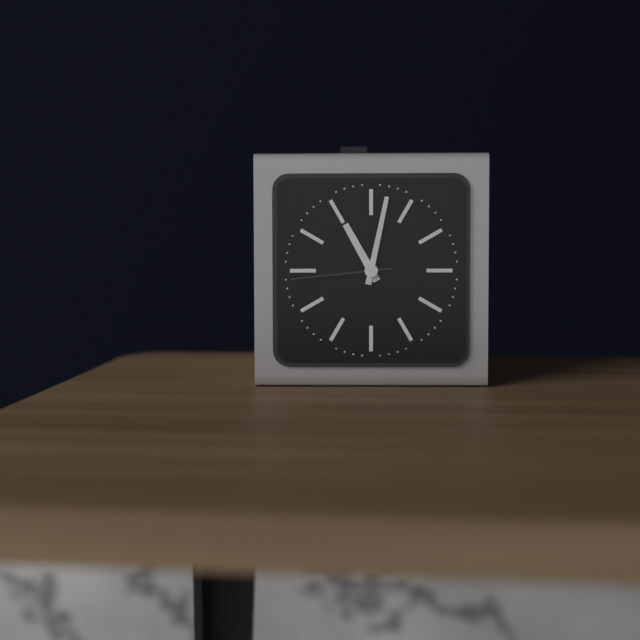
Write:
11,02,44
